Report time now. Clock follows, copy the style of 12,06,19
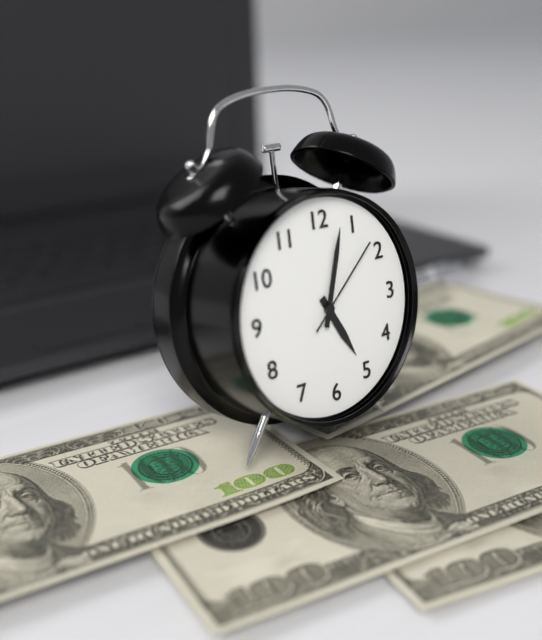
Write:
5,03,08
